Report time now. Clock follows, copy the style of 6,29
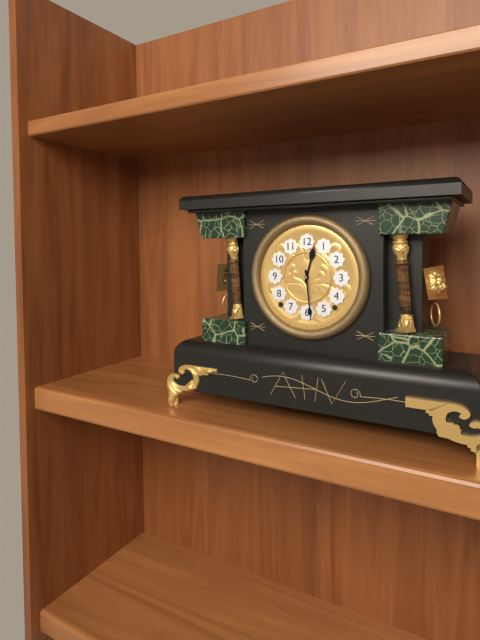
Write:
12,29
